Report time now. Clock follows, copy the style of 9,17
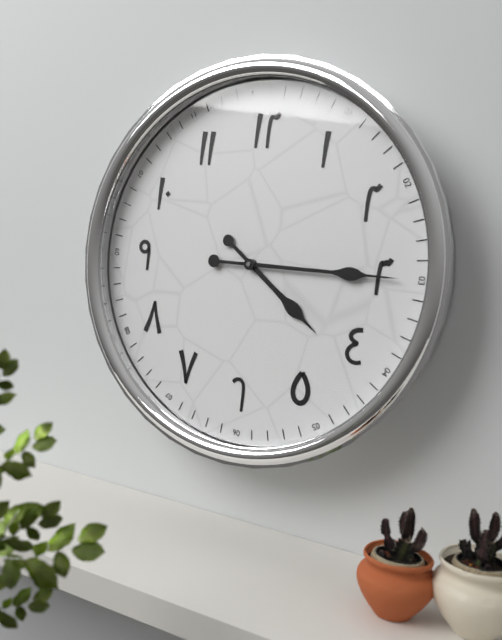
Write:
4,15
